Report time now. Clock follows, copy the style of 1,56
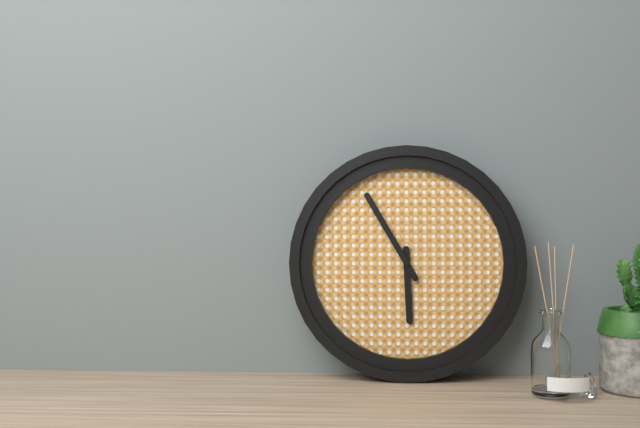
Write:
5,55
